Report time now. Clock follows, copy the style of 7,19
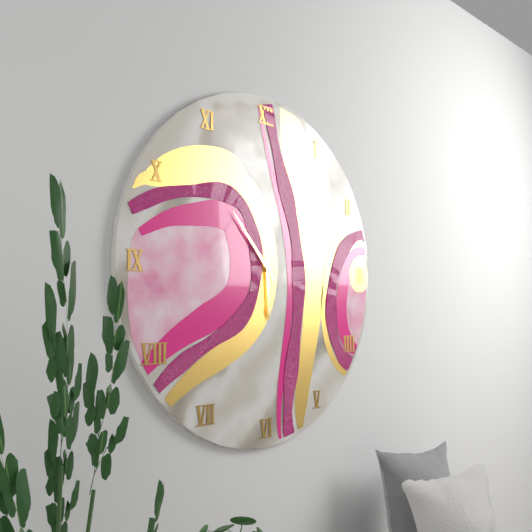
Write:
5,53
